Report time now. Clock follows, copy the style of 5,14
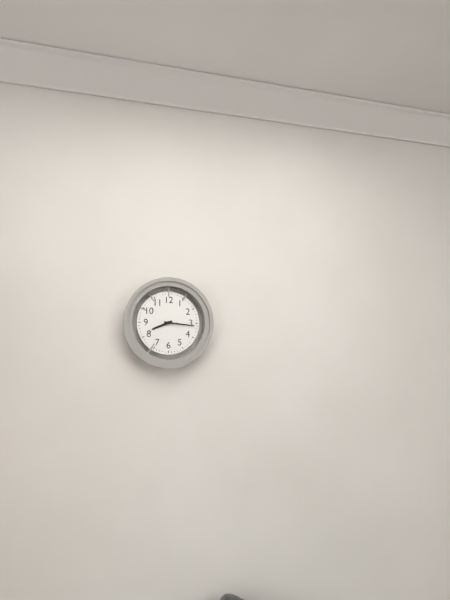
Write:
8,16
